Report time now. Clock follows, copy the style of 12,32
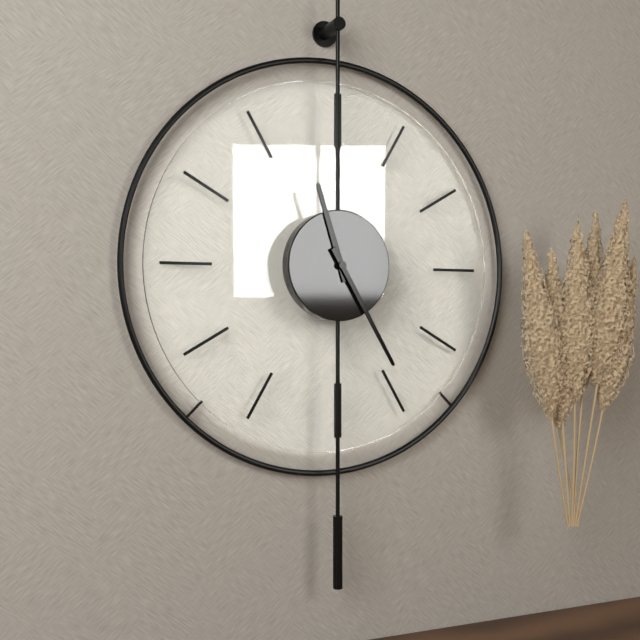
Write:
11,25
